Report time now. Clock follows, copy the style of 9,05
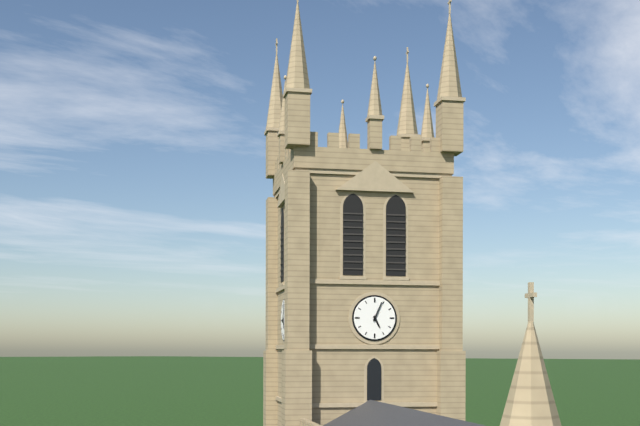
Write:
5,04
